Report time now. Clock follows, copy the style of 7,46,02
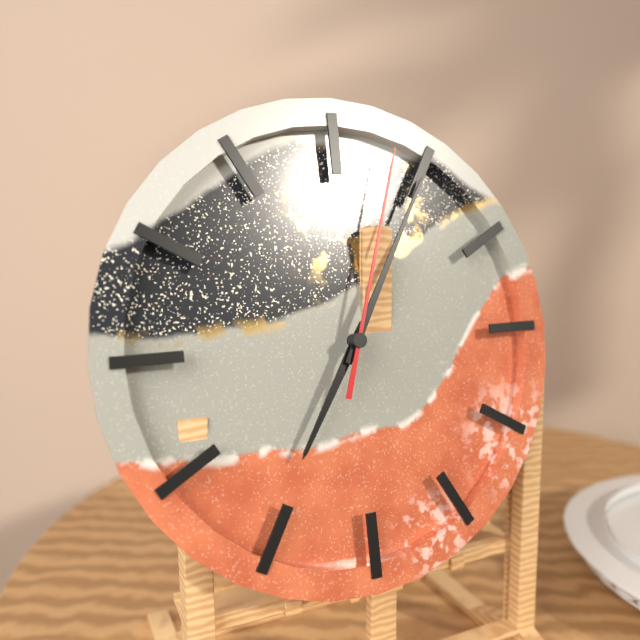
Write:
7,05,03
